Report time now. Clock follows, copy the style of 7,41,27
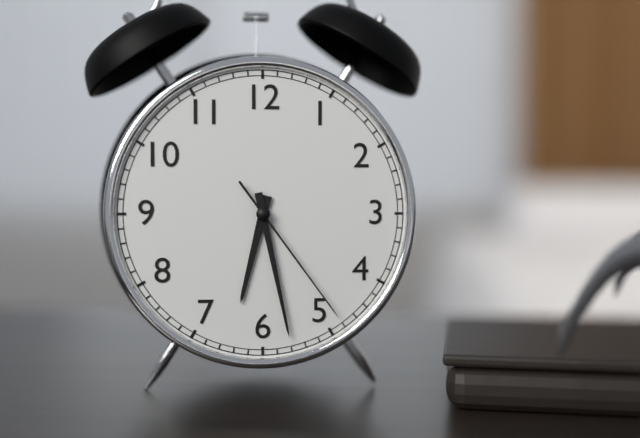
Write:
6,28,24
